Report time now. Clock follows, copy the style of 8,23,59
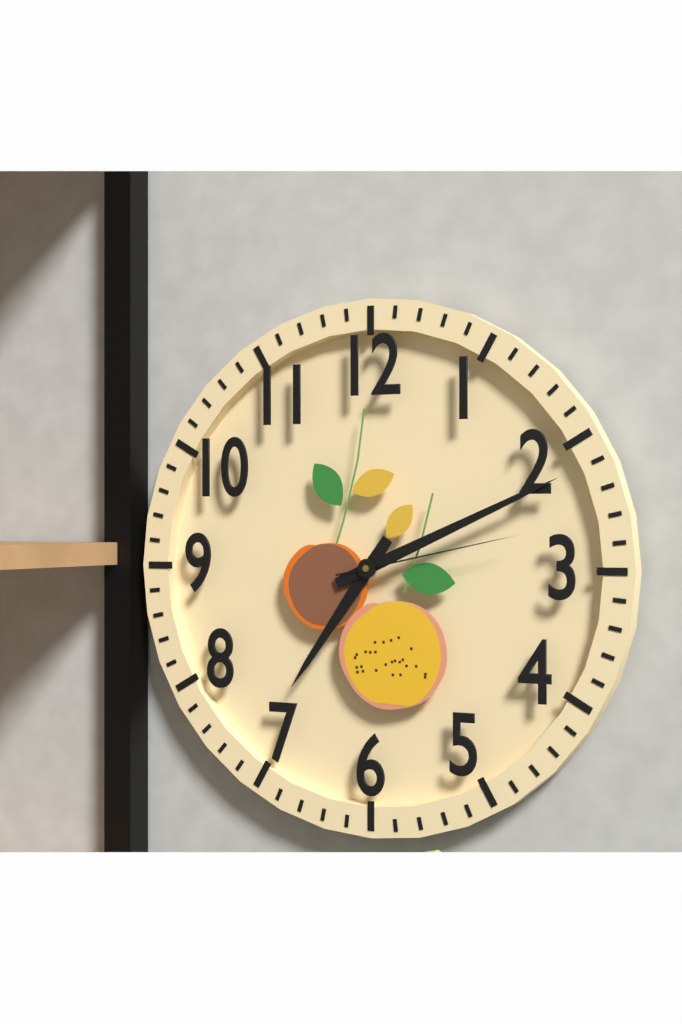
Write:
7,11,13
